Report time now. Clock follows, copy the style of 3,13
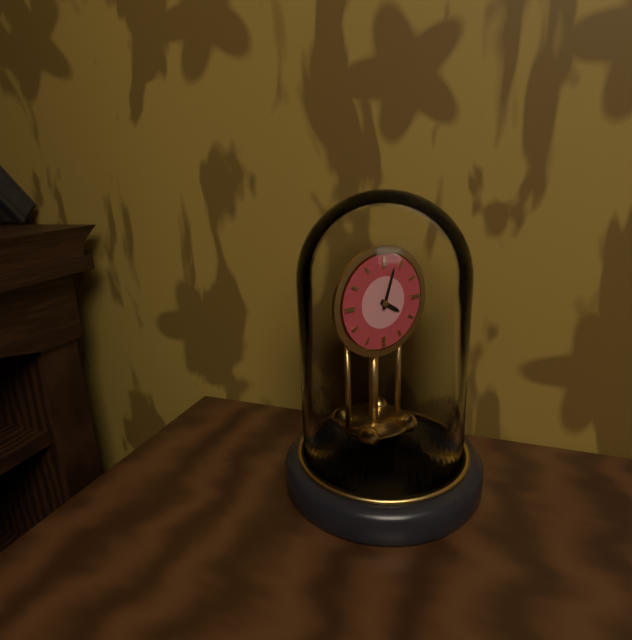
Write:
4,03
